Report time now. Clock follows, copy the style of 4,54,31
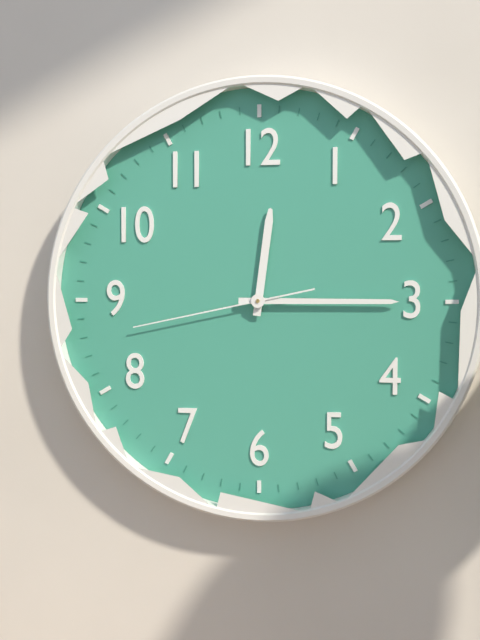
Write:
12,15,43
